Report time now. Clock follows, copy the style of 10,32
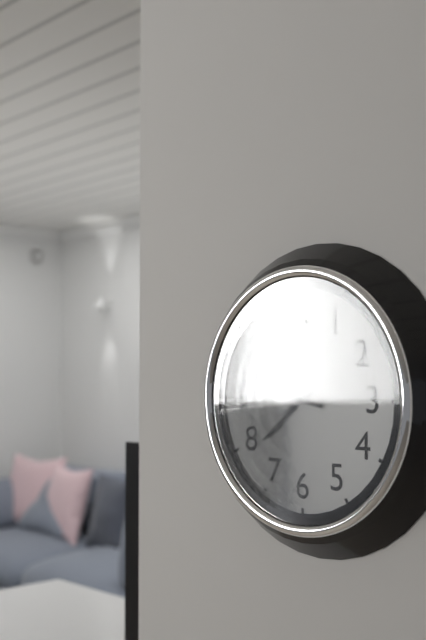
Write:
7,47
